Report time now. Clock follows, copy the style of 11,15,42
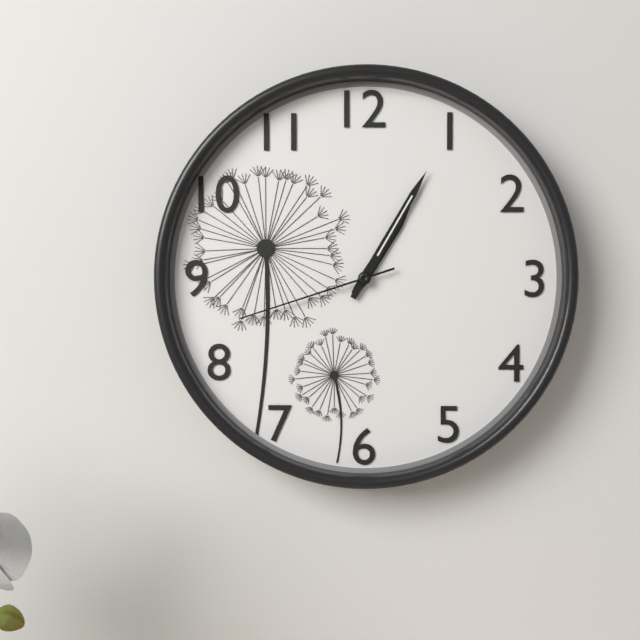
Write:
1,05,42
